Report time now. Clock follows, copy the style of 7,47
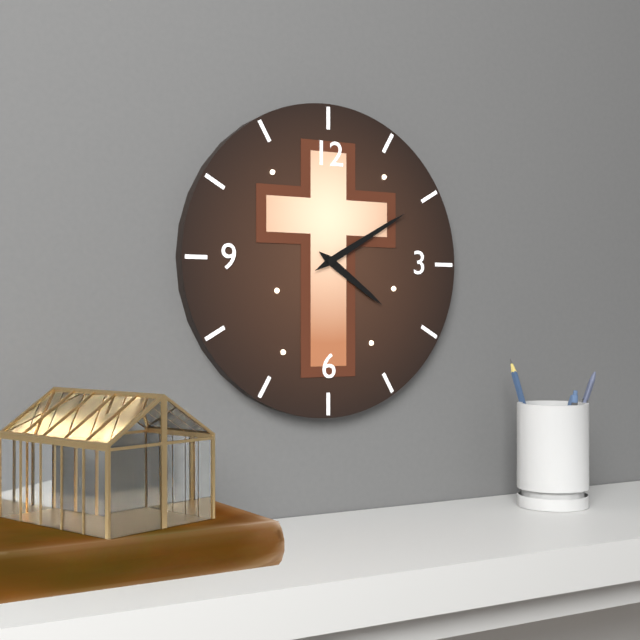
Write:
4,10
